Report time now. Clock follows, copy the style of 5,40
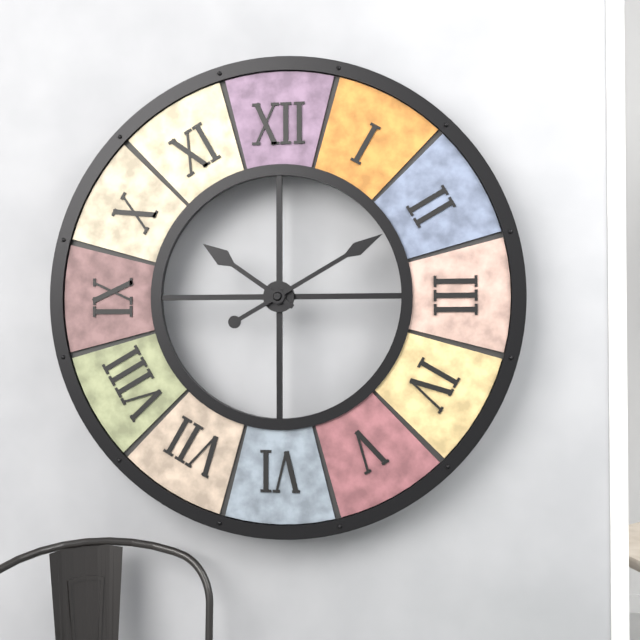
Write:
10,10
